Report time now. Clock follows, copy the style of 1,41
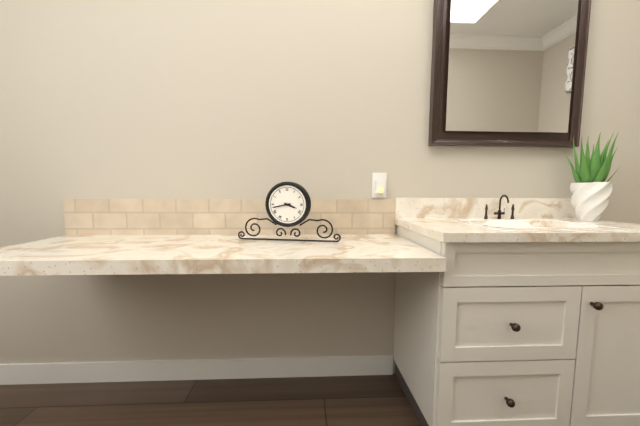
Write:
3,43
